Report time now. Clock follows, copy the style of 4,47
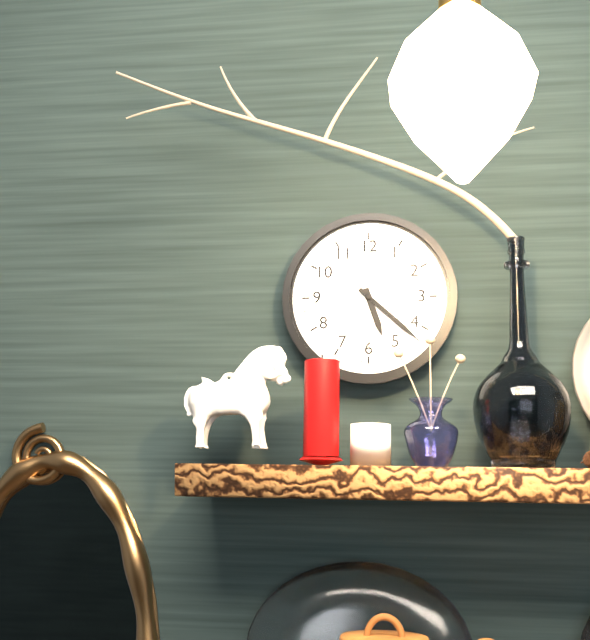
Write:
5,22
